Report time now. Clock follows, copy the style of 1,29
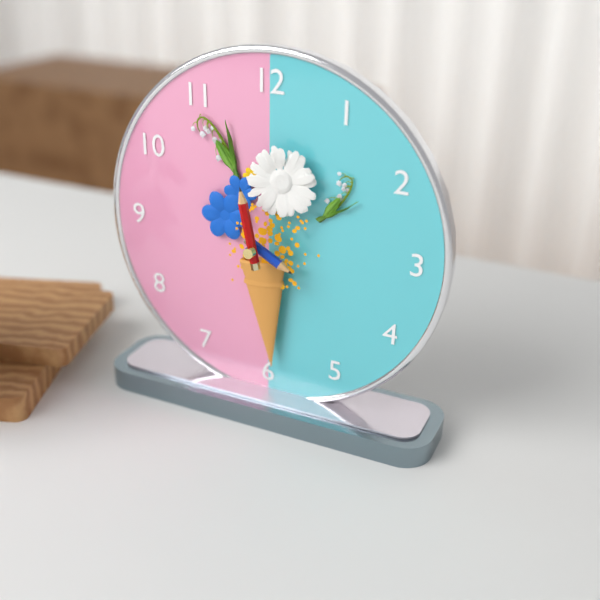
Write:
3,58
